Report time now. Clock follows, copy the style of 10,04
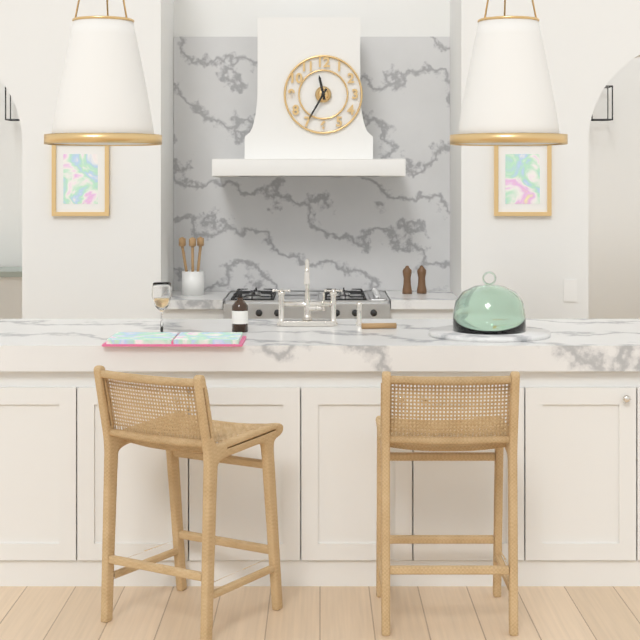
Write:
11,35
